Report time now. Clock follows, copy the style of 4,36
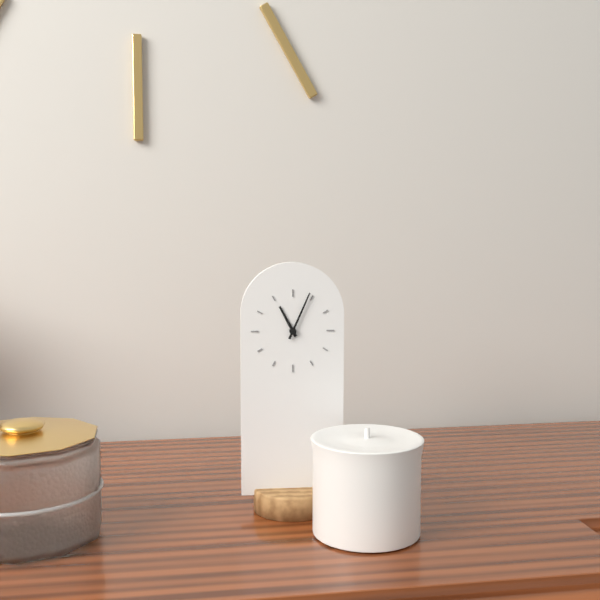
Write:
11,04
